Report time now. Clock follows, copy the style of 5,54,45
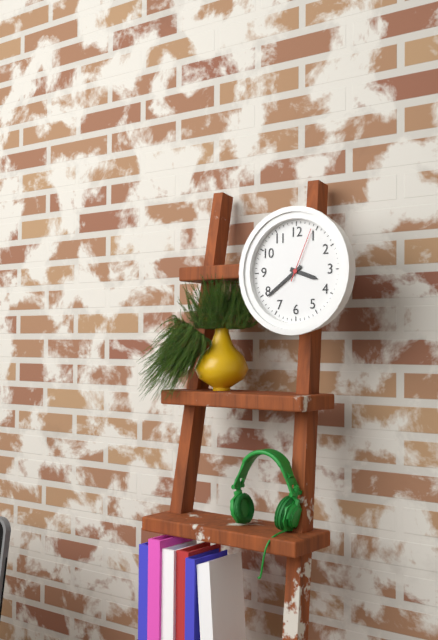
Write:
3,39,04
